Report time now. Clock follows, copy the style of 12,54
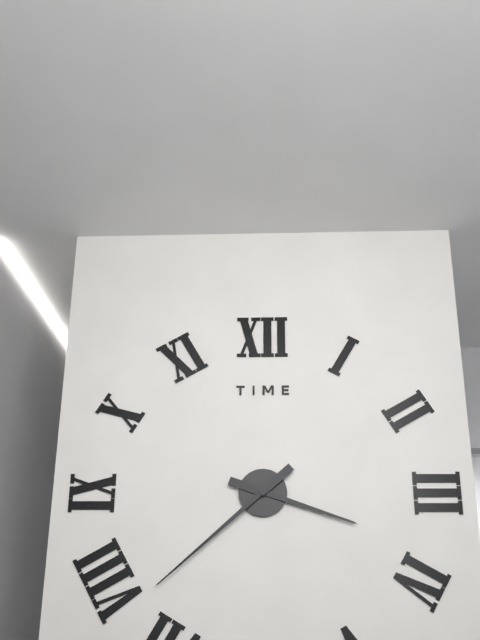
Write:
3,38
